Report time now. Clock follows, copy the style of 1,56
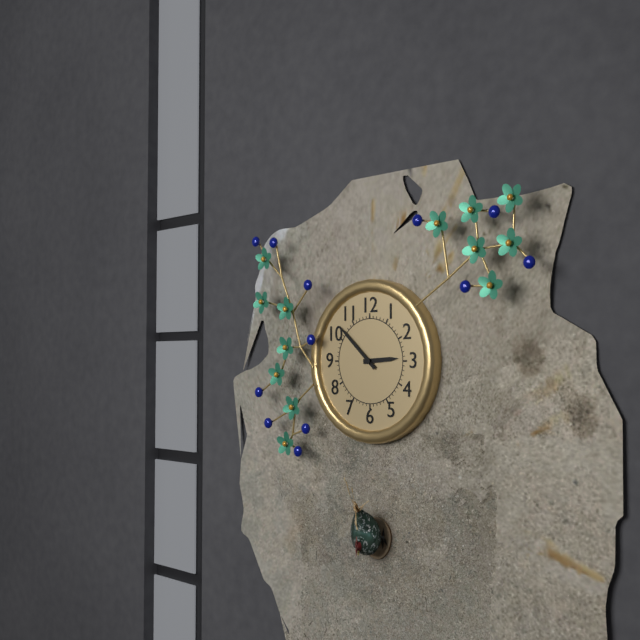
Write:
2,52
